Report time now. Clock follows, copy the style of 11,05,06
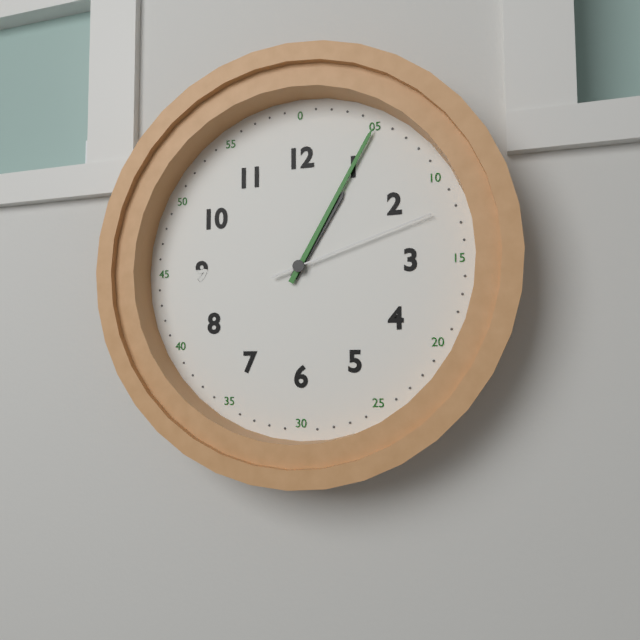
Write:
1,05,12
